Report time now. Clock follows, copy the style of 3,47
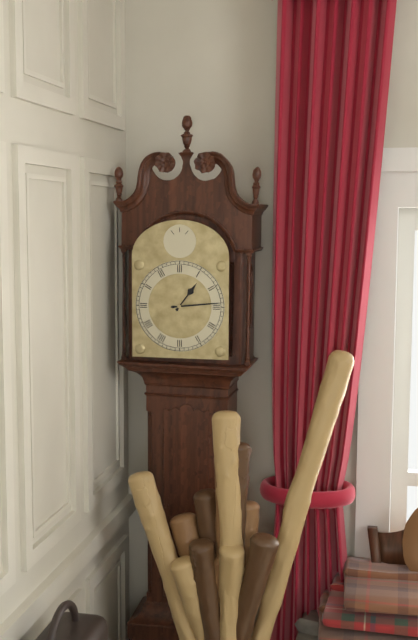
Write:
1,14
